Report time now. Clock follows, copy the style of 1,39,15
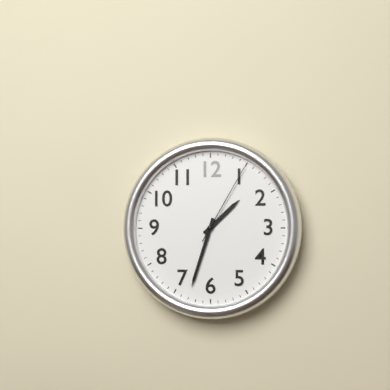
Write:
1,33,05
